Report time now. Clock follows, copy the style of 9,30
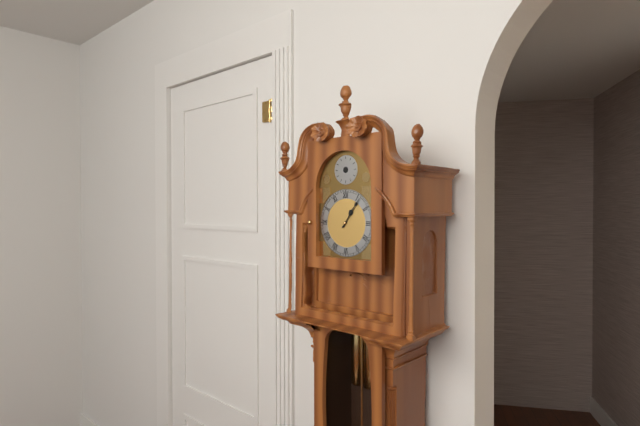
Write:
1,06
